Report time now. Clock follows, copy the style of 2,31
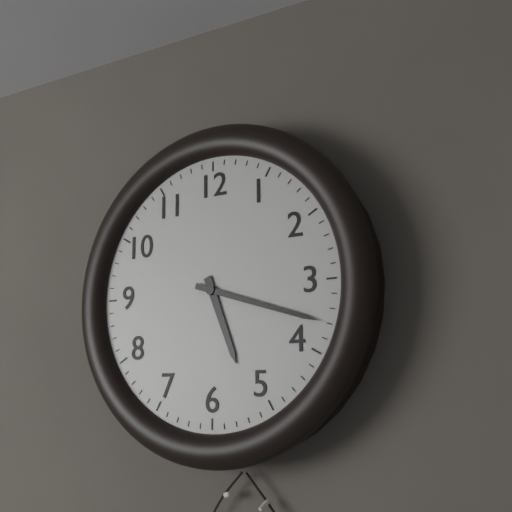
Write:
5,18
